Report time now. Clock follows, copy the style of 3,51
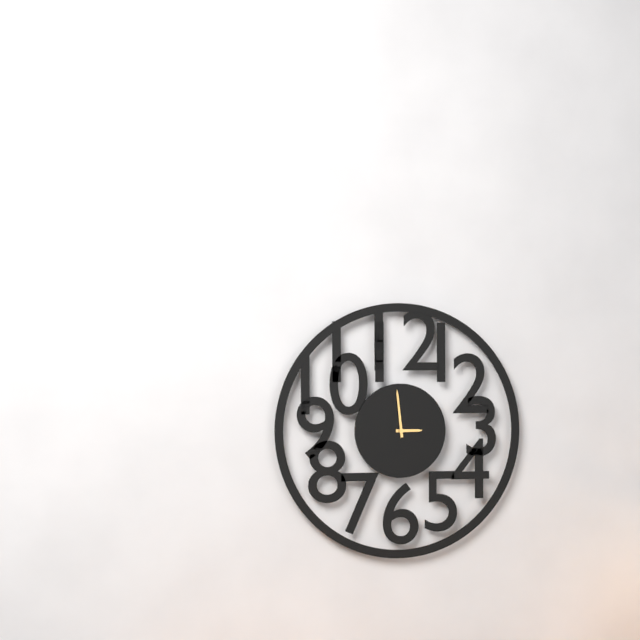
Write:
2,59
